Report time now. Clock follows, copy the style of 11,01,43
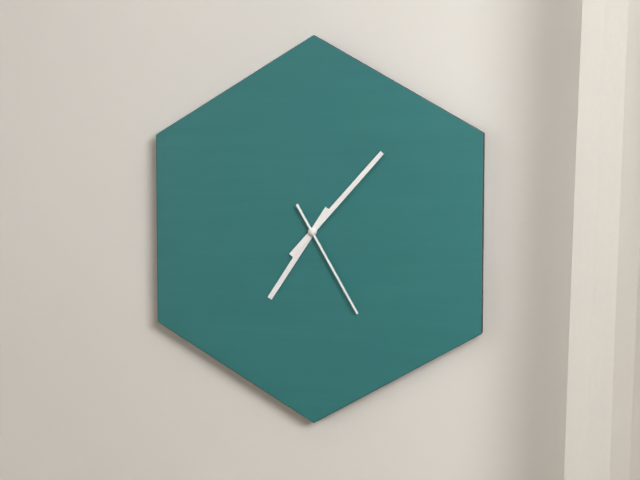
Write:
7,07,25
